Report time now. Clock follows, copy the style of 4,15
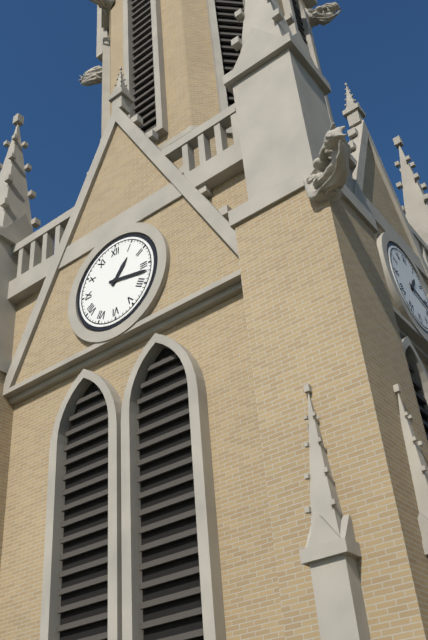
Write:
1,17
